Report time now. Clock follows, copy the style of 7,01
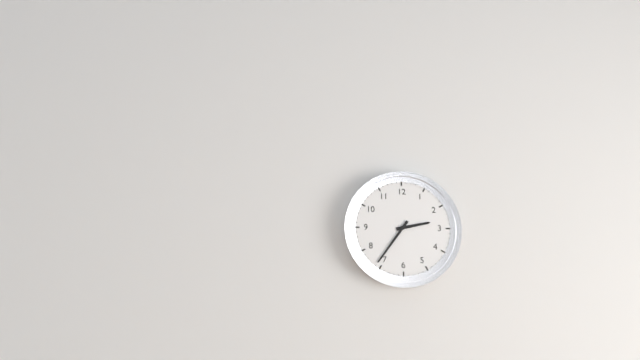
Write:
2,36
